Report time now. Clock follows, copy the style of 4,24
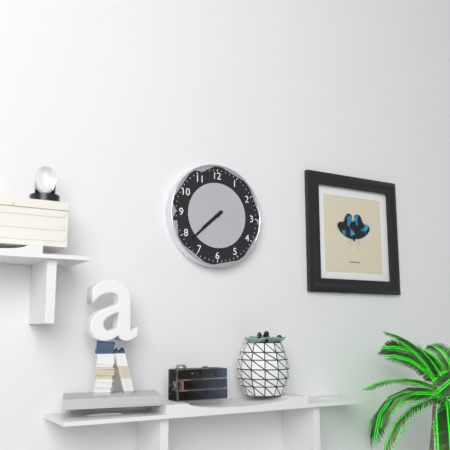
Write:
7,38
